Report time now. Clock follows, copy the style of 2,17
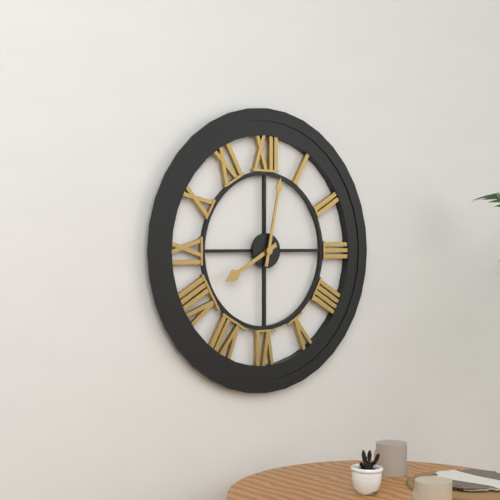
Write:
8,02
